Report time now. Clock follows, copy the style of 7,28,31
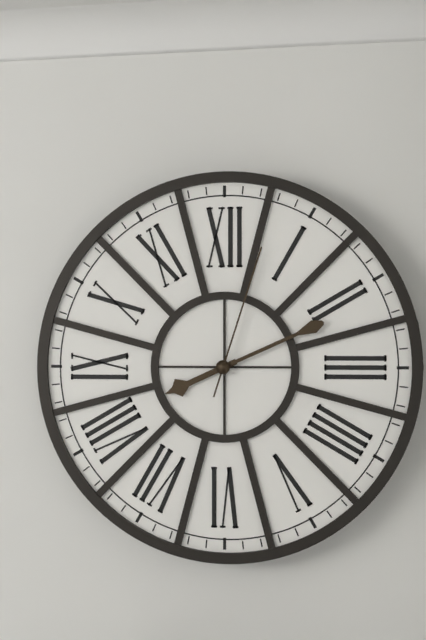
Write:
8,11,03
